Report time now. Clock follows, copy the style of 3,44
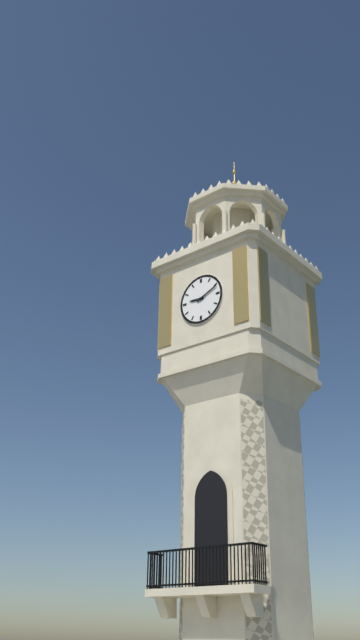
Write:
9,11
